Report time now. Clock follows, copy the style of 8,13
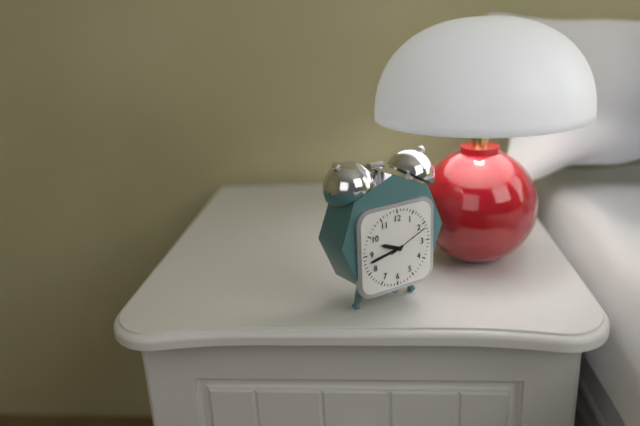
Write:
9,43
